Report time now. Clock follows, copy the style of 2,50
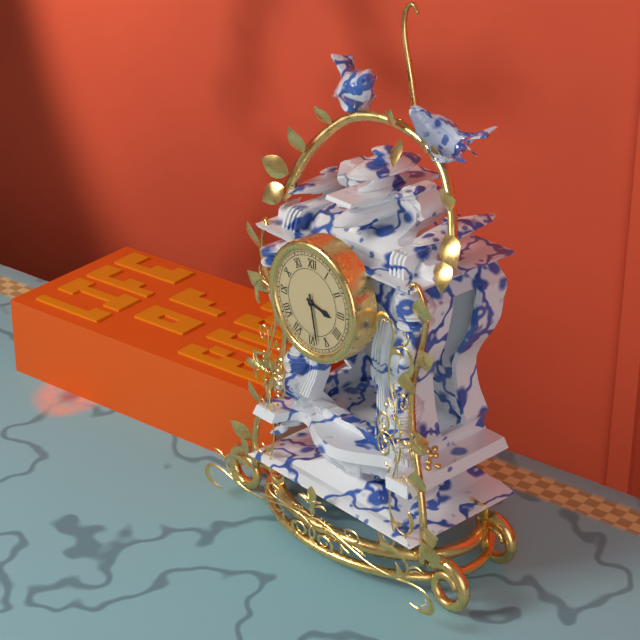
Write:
3,28
